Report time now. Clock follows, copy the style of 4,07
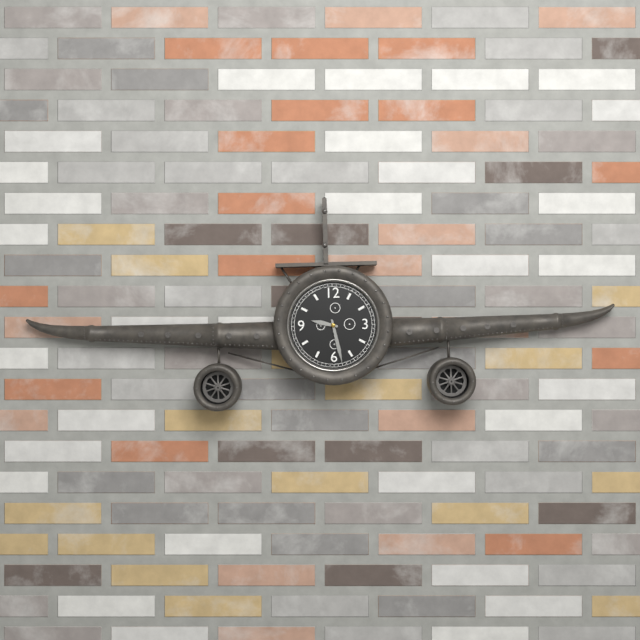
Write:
9,28
